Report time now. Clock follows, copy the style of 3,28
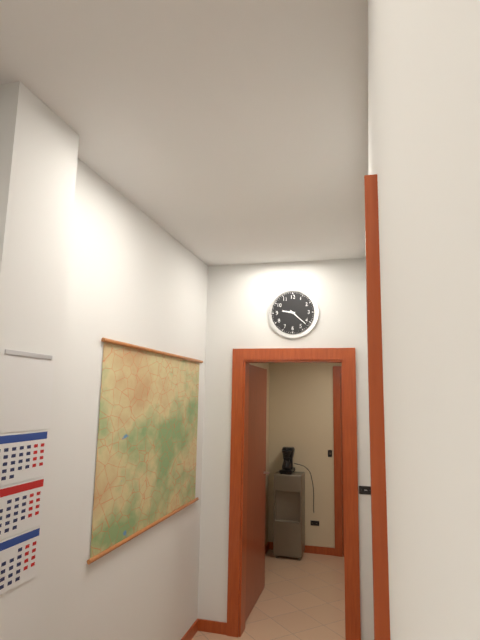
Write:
9,22
